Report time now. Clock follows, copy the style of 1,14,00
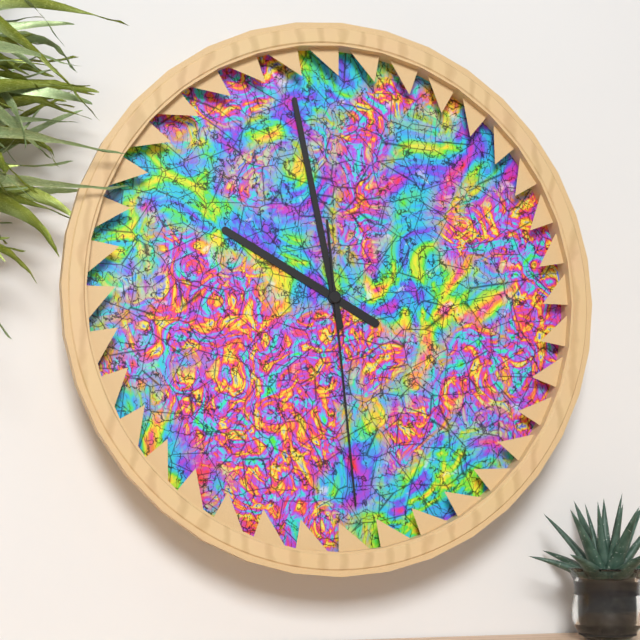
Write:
9,58,29
